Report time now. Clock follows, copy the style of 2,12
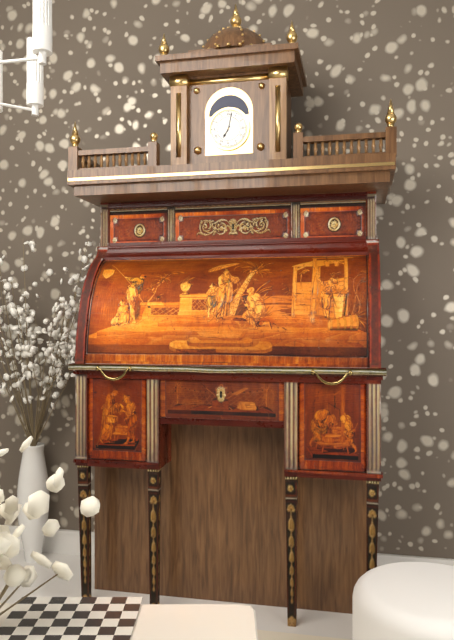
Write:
7,02
